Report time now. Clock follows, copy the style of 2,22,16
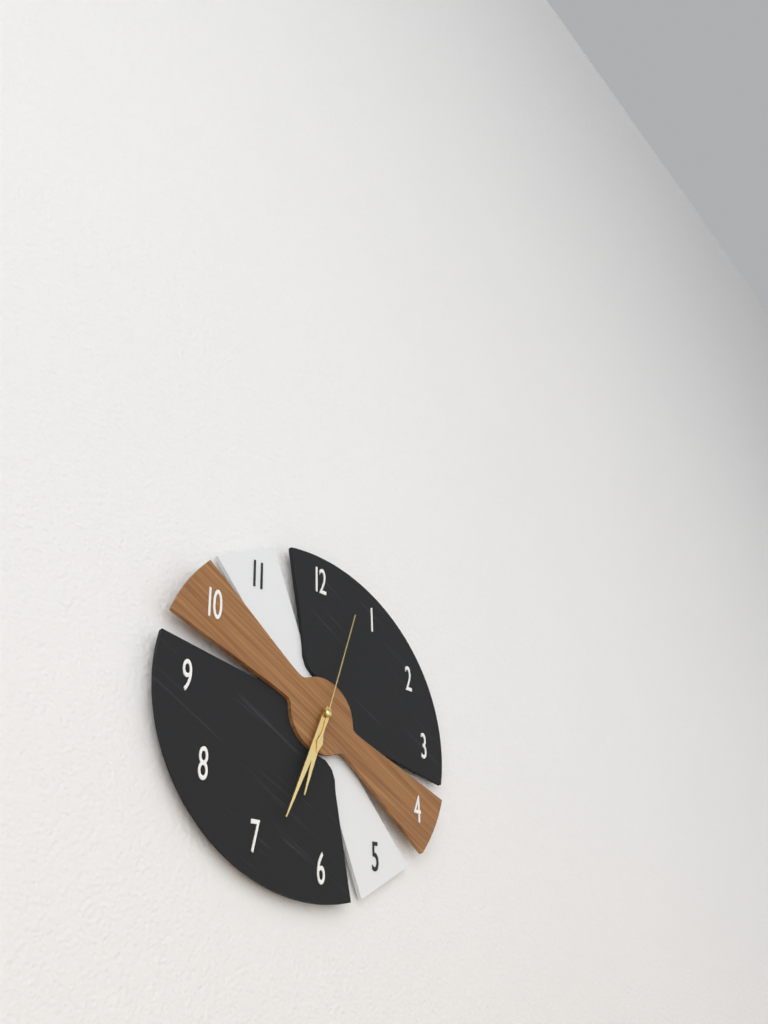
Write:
6,34,03
